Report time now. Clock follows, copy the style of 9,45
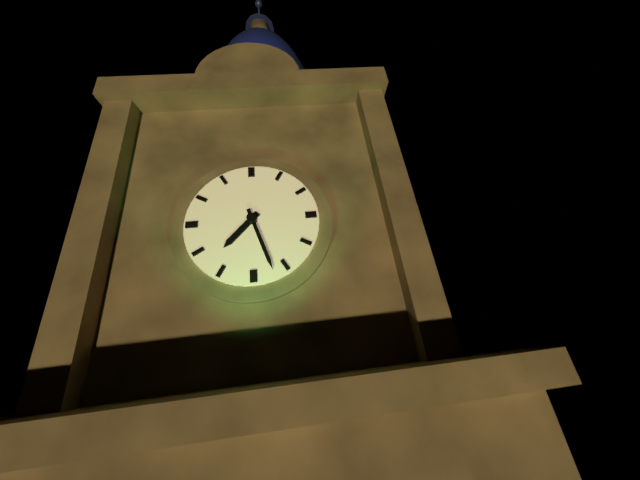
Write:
7,27
